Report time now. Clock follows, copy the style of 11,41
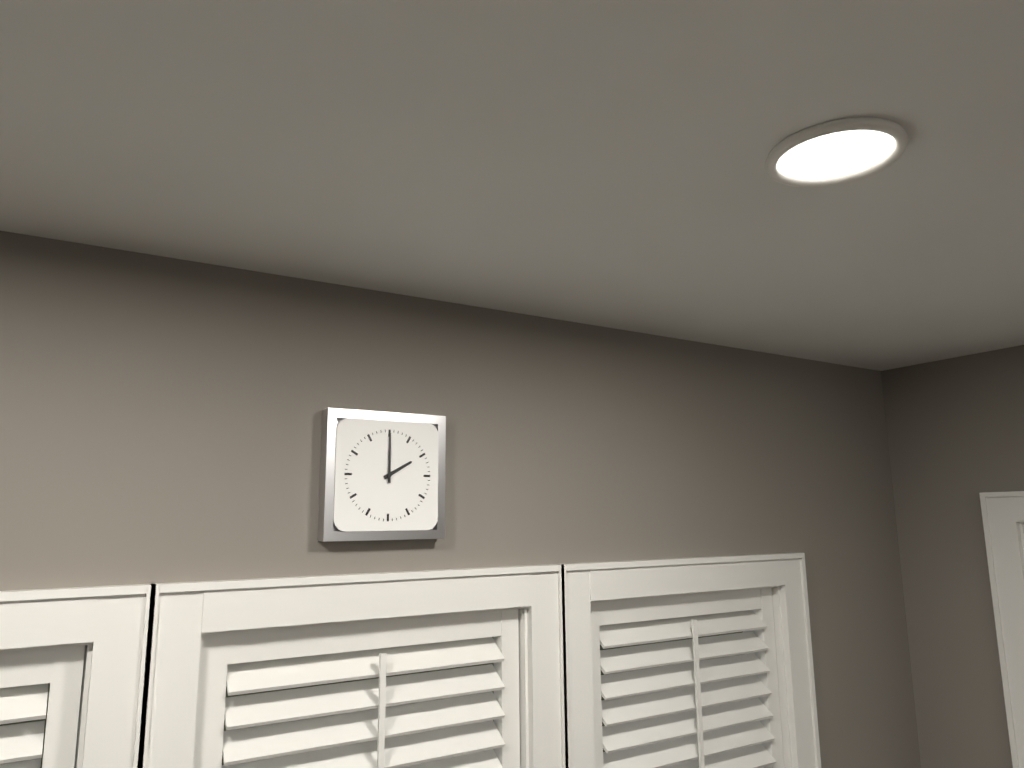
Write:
2,00
